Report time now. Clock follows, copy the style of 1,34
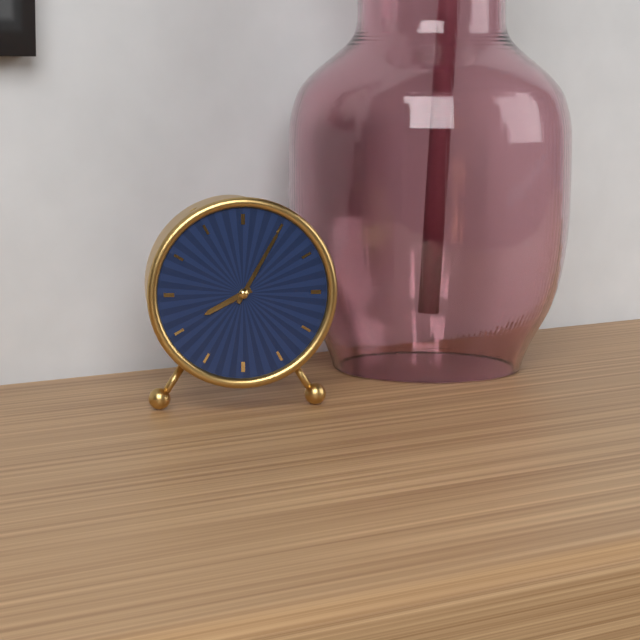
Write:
8,05
